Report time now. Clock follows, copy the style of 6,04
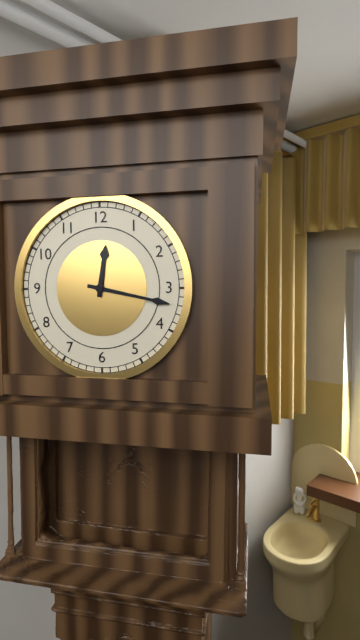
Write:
12,17
